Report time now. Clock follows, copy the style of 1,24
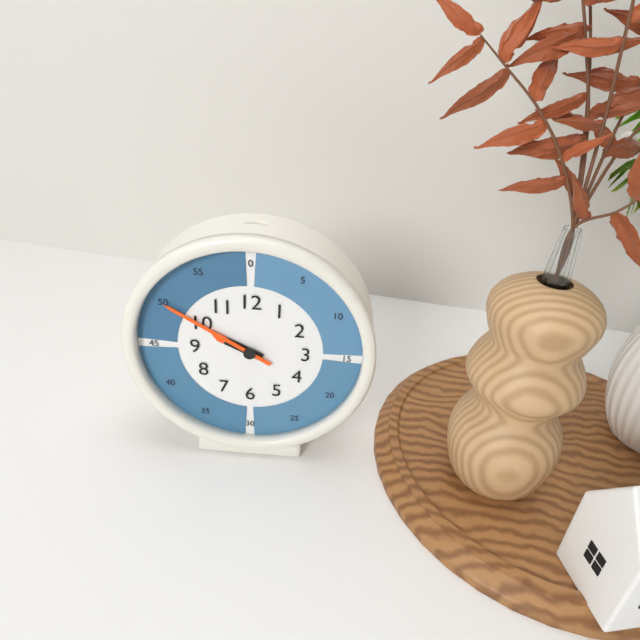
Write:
9,50
